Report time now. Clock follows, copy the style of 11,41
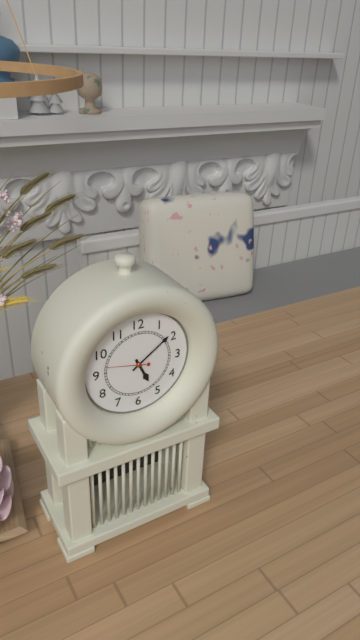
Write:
5,09
